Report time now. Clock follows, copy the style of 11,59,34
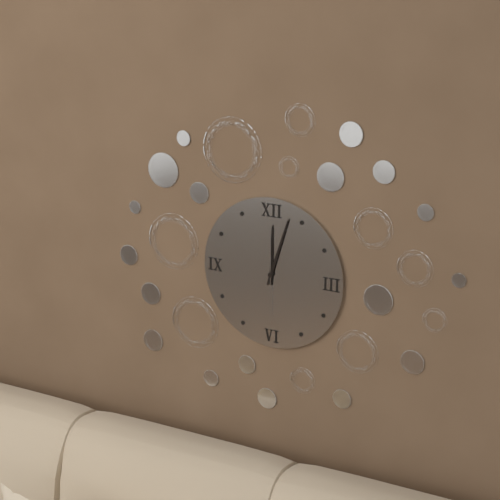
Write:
12,03,30
